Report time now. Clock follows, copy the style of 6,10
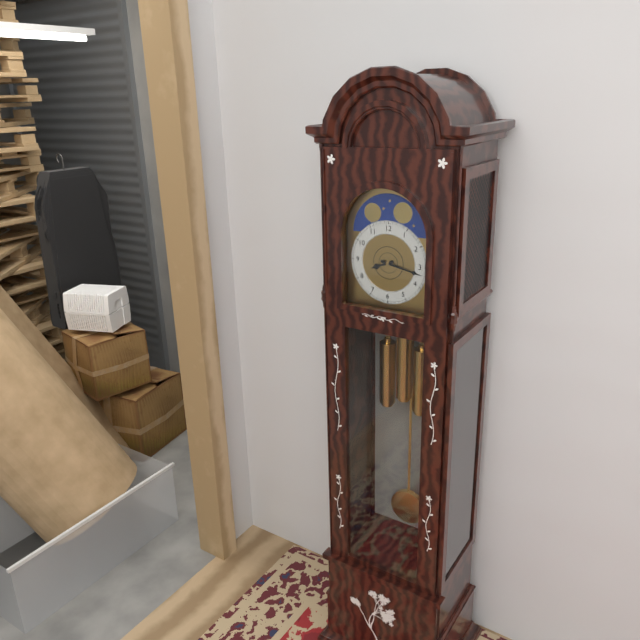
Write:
8,17
